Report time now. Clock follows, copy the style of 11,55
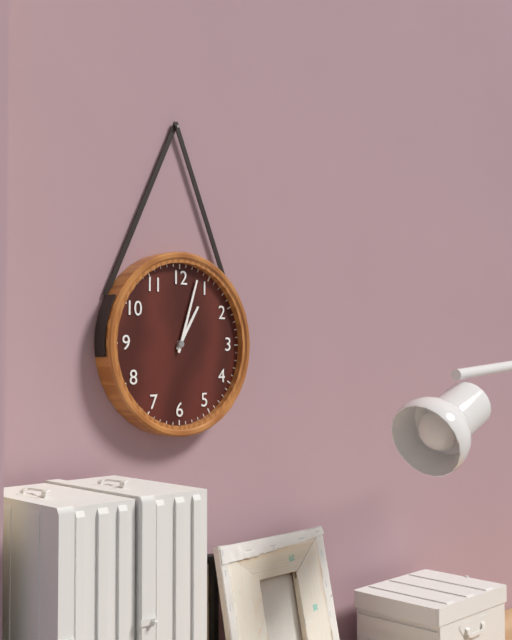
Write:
1,03
